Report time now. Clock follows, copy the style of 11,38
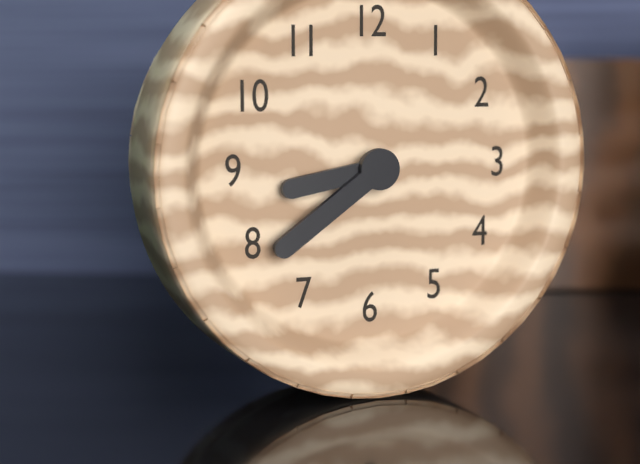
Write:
8,39
